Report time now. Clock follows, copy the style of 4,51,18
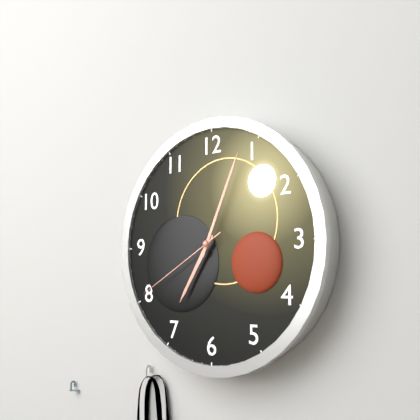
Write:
7,04,40
